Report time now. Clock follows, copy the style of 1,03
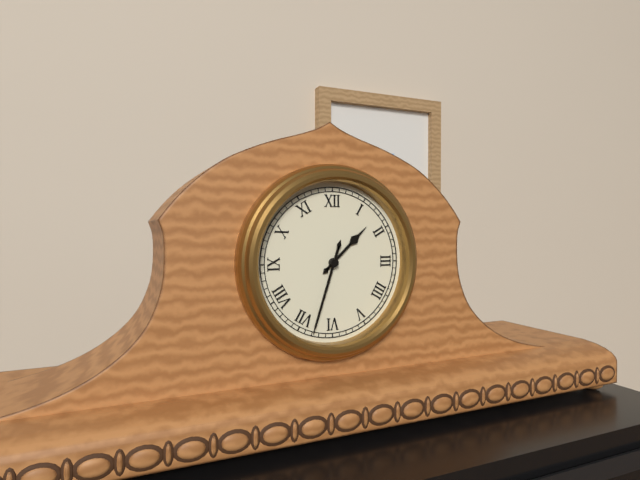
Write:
1,33
